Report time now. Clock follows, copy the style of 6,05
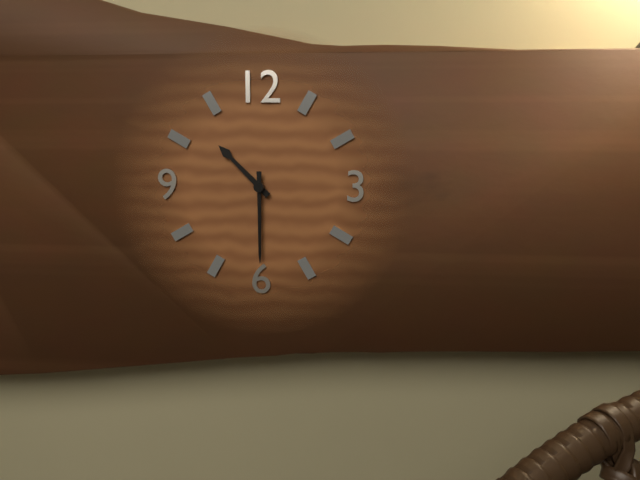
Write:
10,30
